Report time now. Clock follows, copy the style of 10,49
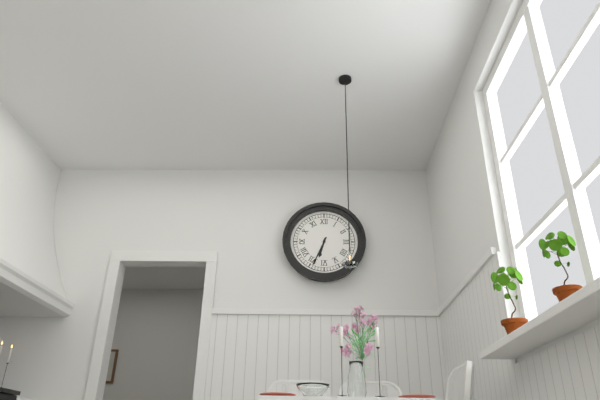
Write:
6,34
